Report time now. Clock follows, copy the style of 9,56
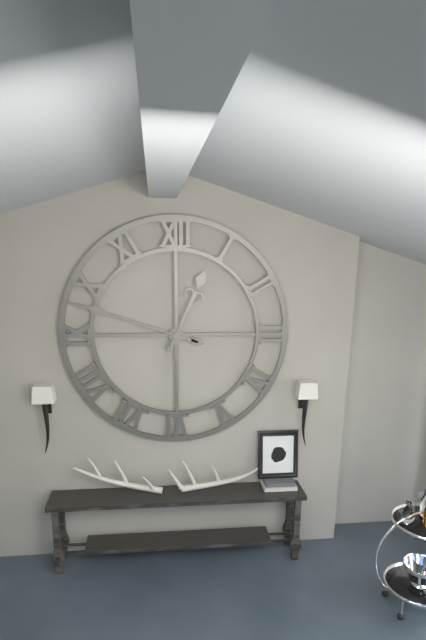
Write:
12,48
